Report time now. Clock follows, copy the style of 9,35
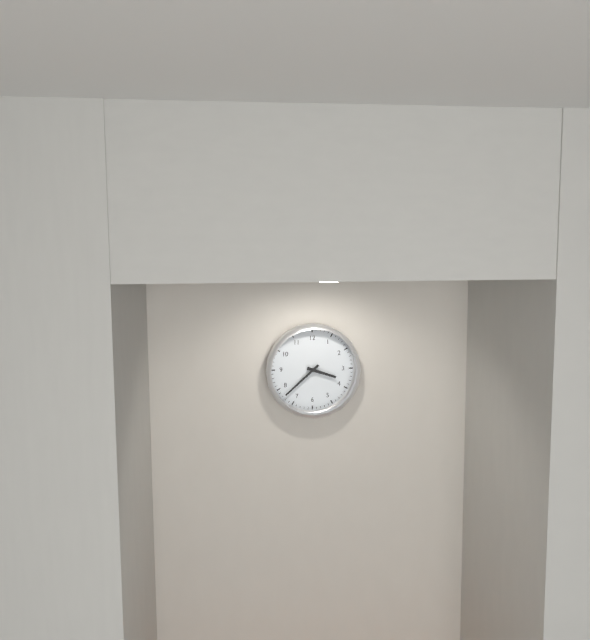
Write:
3,38
